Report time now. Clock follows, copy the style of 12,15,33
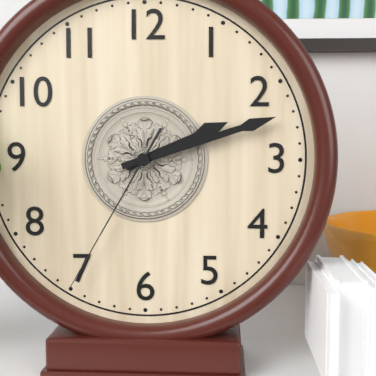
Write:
2,12,35
